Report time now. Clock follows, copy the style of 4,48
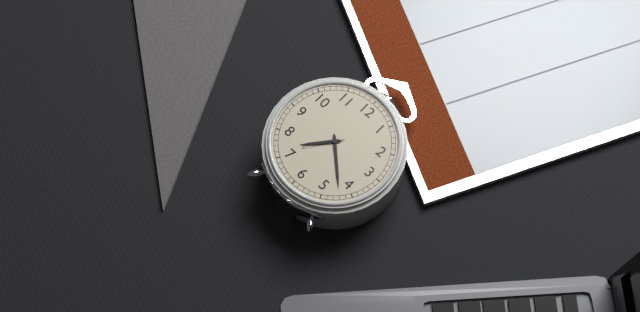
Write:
7,22
